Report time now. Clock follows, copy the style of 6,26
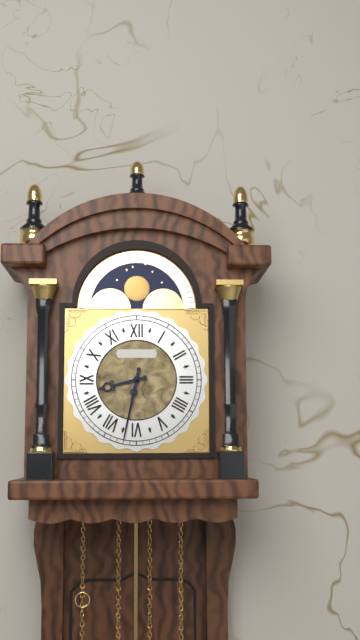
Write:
8,32
